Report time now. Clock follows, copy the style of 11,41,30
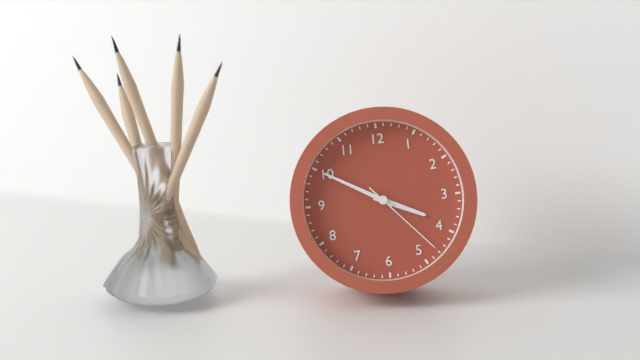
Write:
3,50,23
